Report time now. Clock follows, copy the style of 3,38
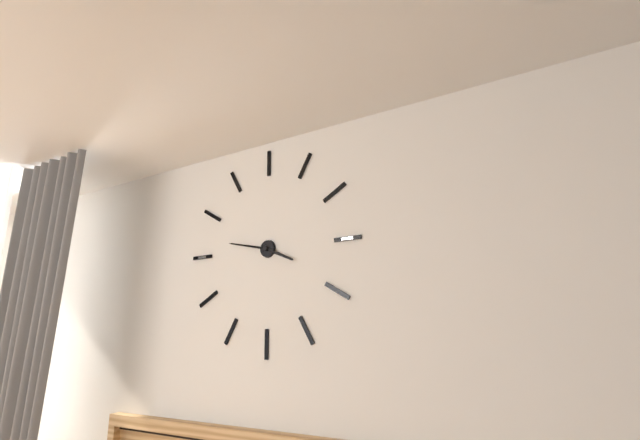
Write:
3,47
